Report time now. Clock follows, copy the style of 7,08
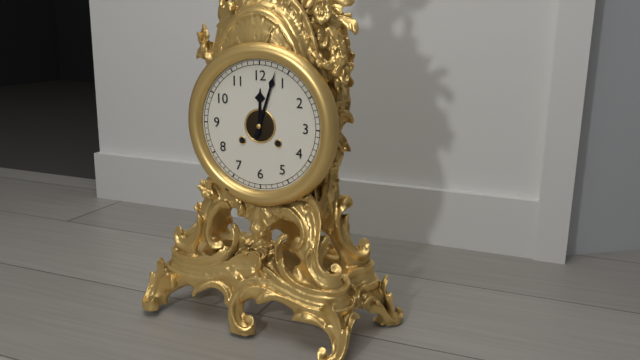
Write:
12,03
